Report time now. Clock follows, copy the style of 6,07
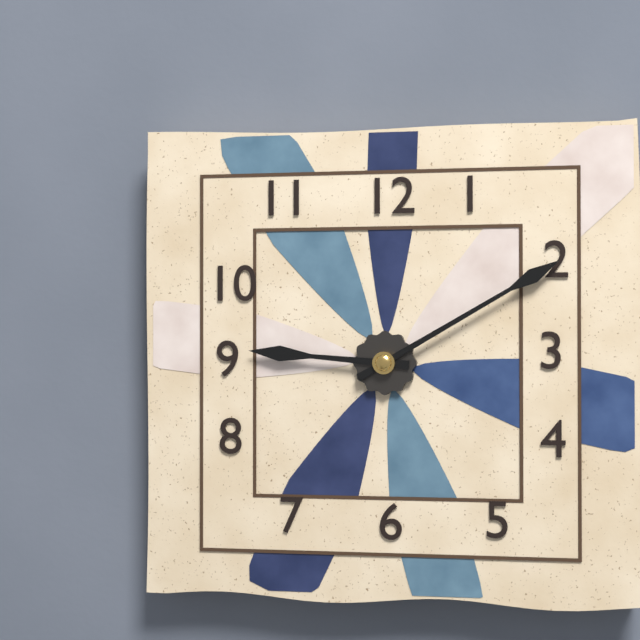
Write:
9,10
